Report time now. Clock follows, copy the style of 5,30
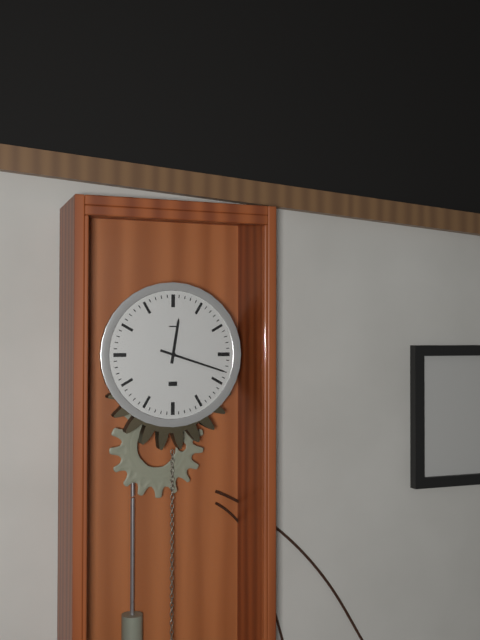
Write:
12,18
